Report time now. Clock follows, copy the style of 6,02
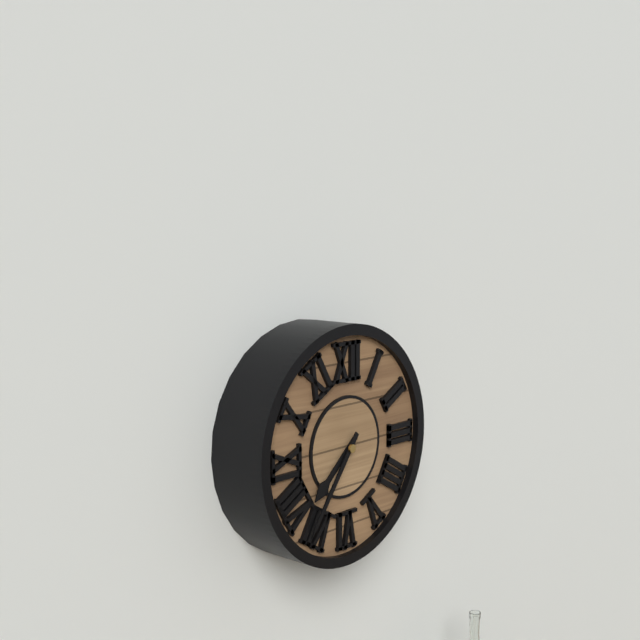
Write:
7,36
